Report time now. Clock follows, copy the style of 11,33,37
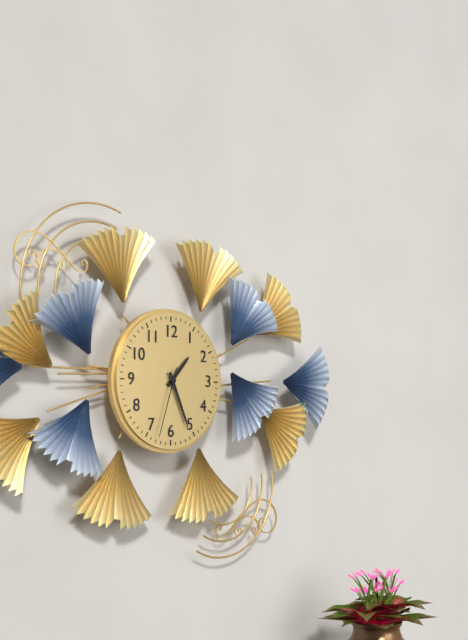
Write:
1,26,33
